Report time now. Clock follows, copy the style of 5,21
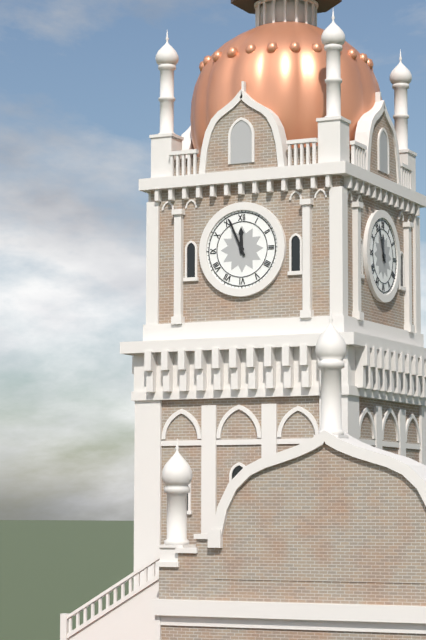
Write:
11,56
